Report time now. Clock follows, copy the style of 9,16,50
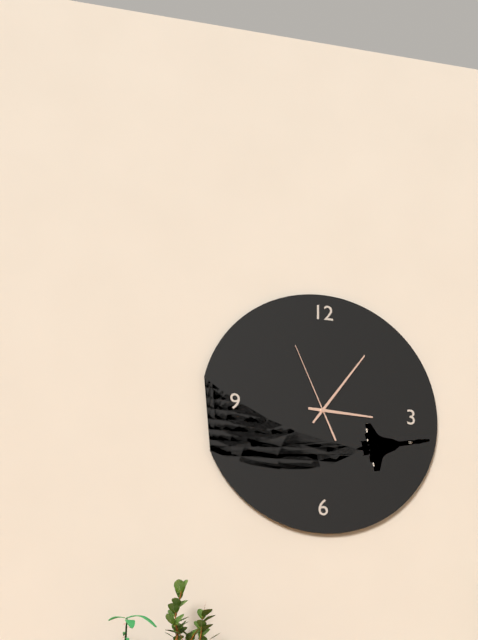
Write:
3,06,56
